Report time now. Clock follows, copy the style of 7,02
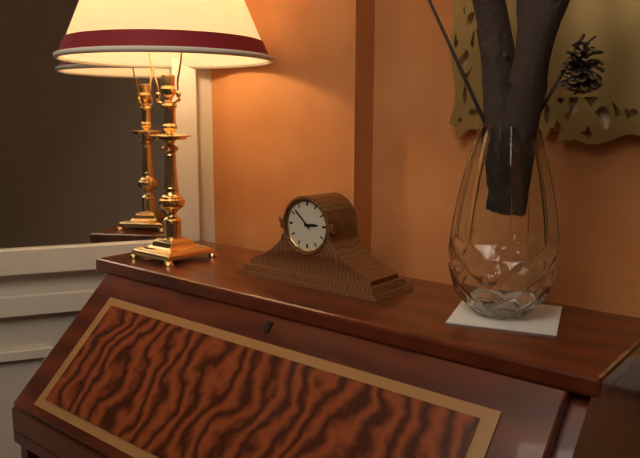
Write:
2,52
